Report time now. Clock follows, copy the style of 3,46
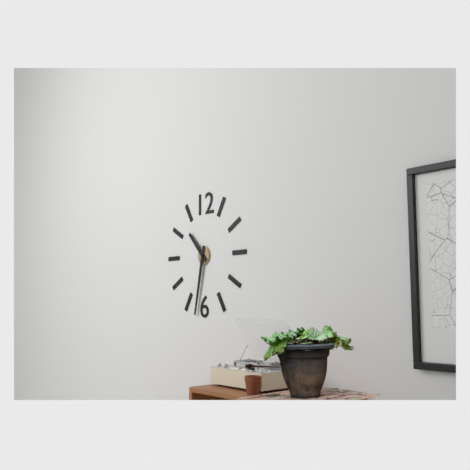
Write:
10,32
